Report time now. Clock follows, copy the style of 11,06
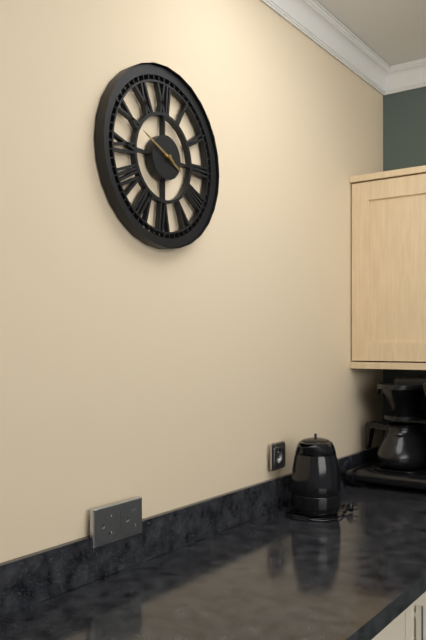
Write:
3,49
